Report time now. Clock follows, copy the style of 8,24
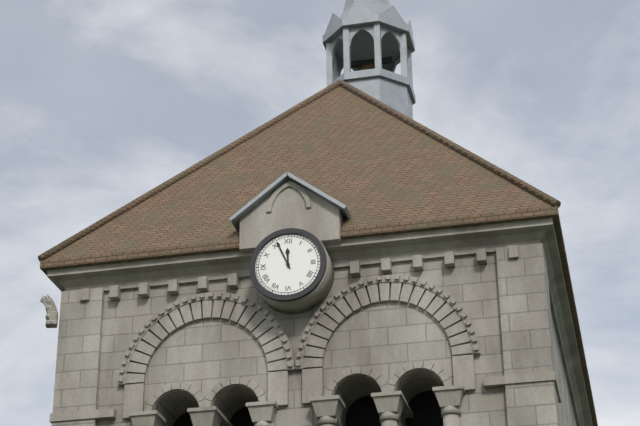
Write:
11,56
